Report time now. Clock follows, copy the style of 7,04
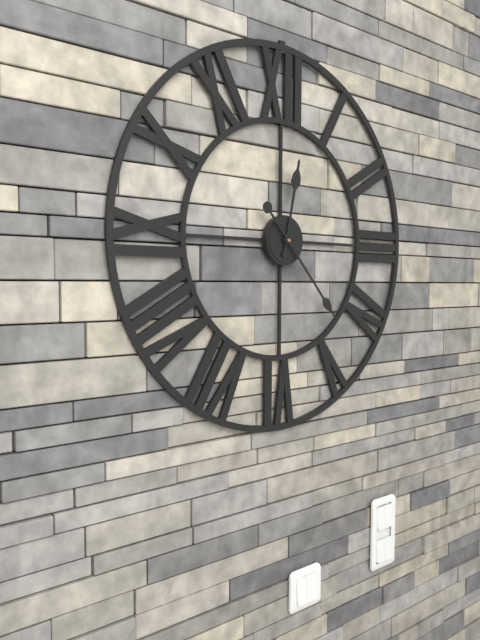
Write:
12,23
